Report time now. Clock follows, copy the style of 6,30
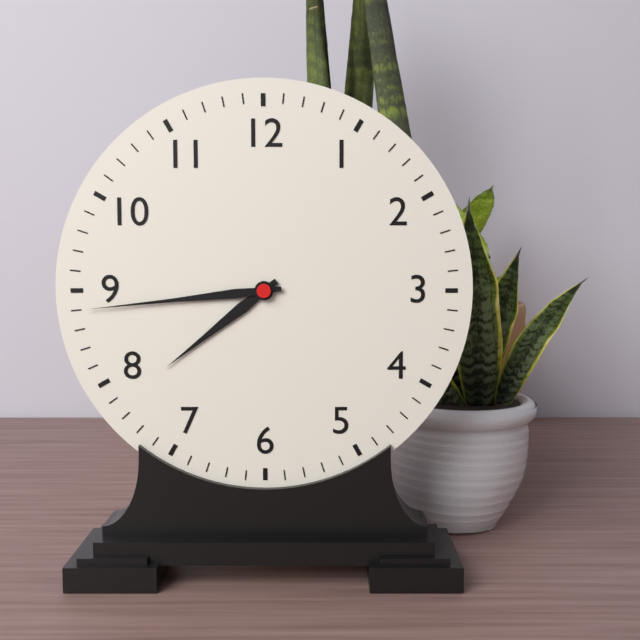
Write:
7,44
